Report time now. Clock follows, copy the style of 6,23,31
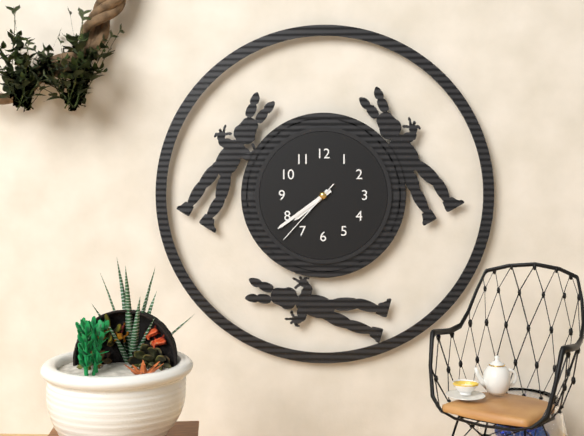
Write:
7,39,37
